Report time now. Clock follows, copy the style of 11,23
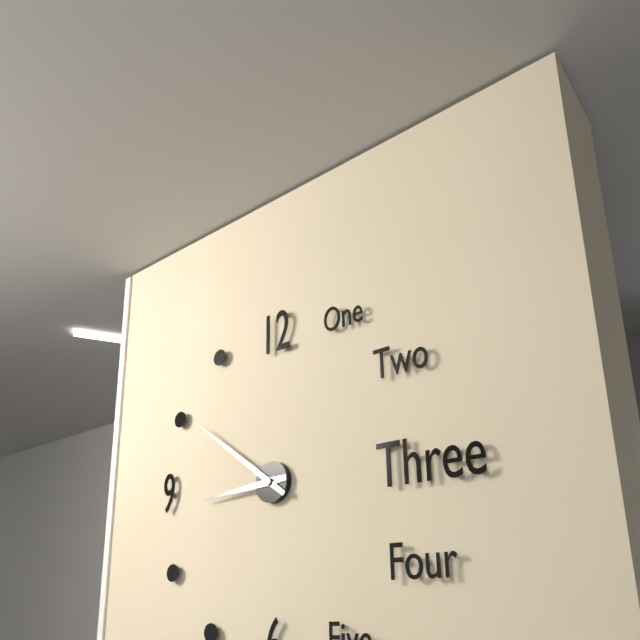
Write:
8,51
